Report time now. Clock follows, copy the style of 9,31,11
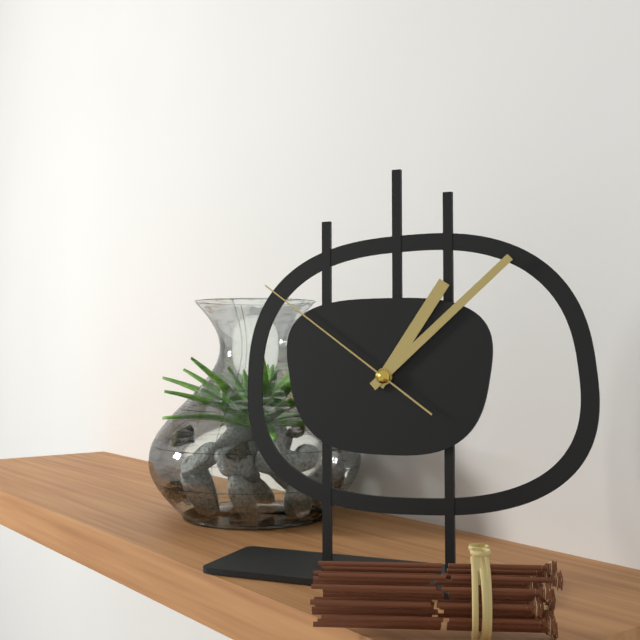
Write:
1,08,51
